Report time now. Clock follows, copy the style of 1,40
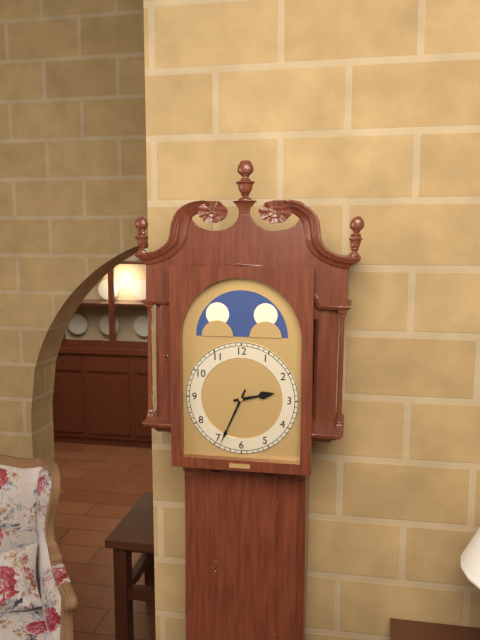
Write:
2,34
